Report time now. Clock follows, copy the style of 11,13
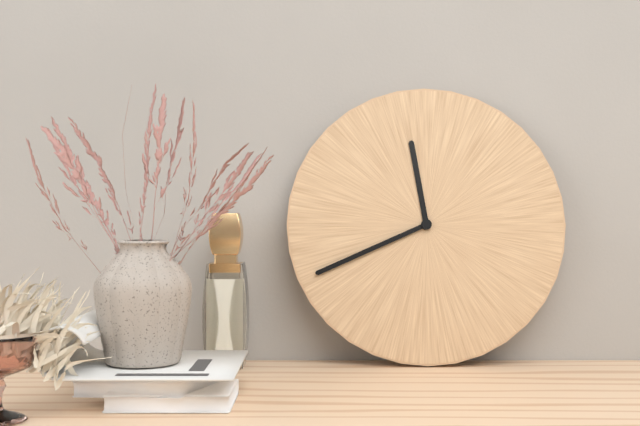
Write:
11,41
